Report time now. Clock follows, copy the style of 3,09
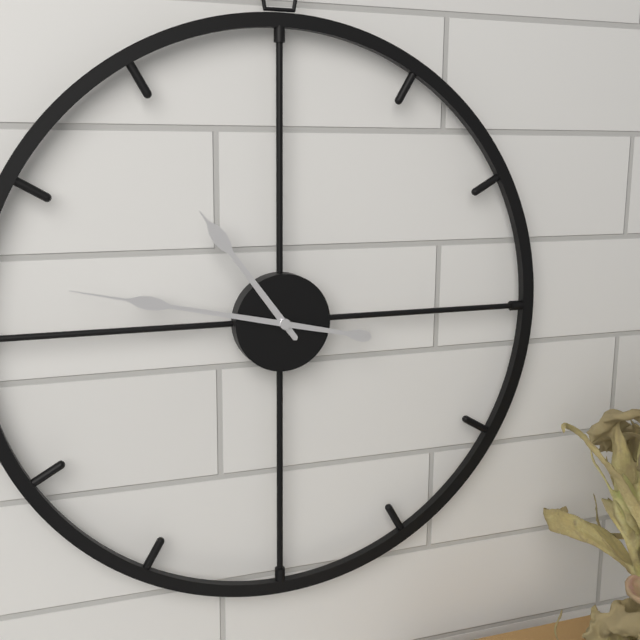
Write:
10,47
